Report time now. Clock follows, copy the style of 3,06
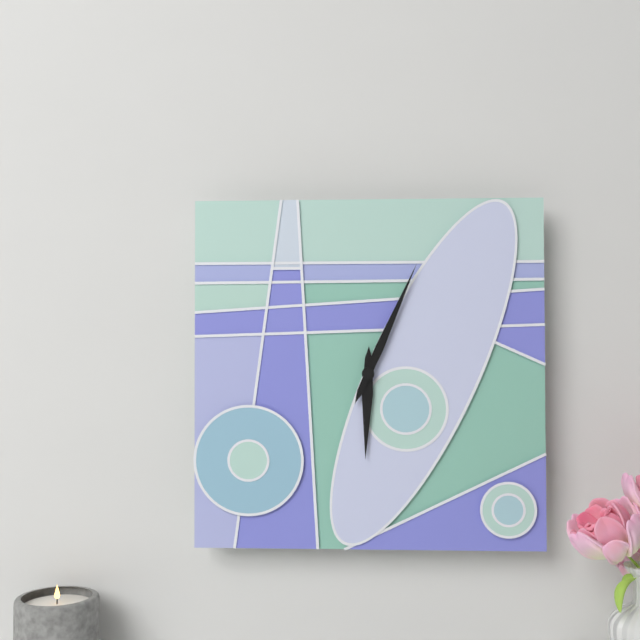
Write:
6,04
